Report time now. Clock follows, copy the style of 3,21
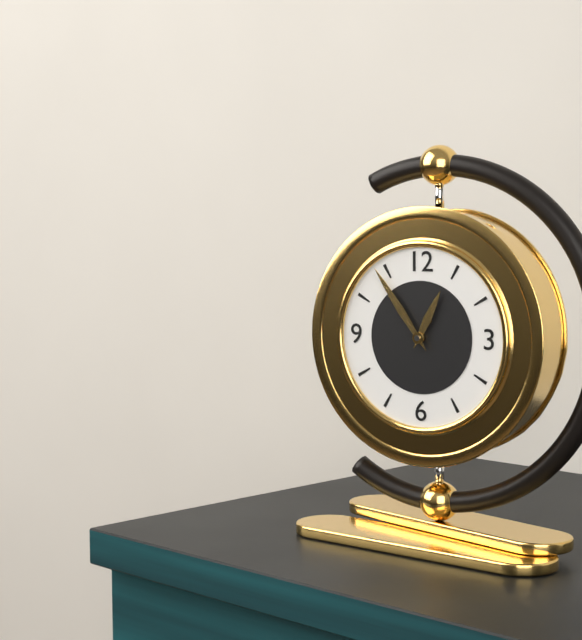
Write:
12,54
